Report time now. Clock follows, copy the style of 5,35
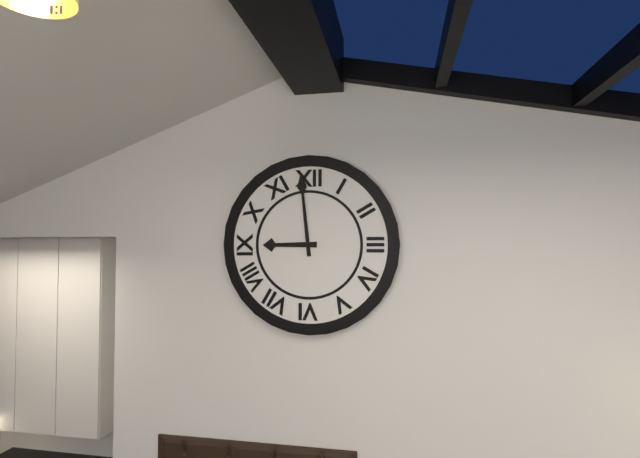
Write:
8,59
